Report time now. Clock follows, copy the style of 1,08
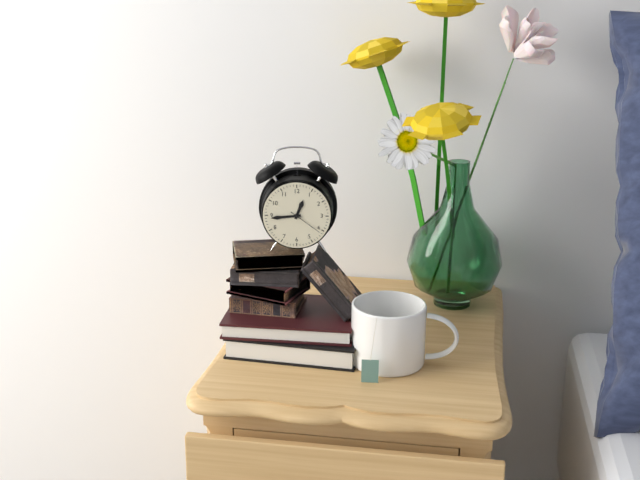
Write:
12,44
